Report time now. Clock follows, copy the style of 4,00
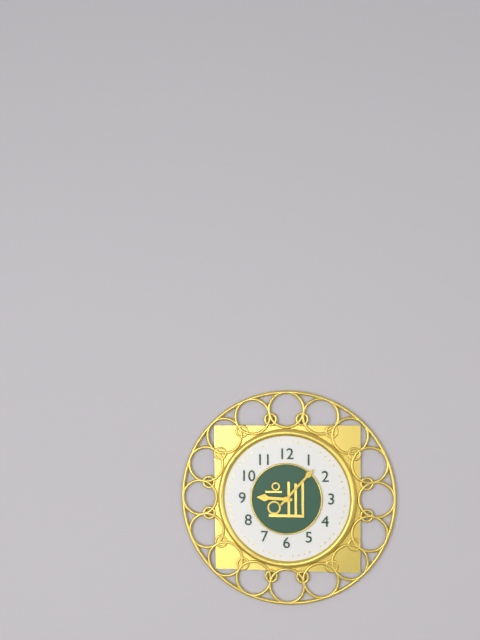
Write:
9,07
